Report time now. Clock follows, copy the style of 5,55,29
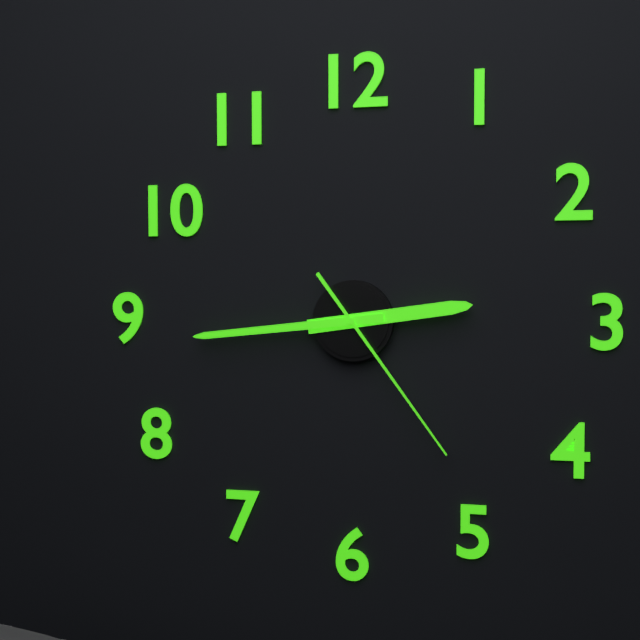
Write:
2,44,24
